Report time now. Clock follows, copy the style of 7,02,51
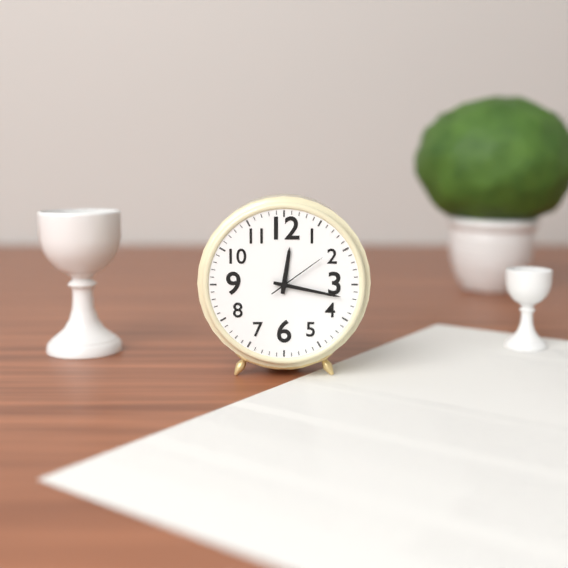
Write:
12,17,09
